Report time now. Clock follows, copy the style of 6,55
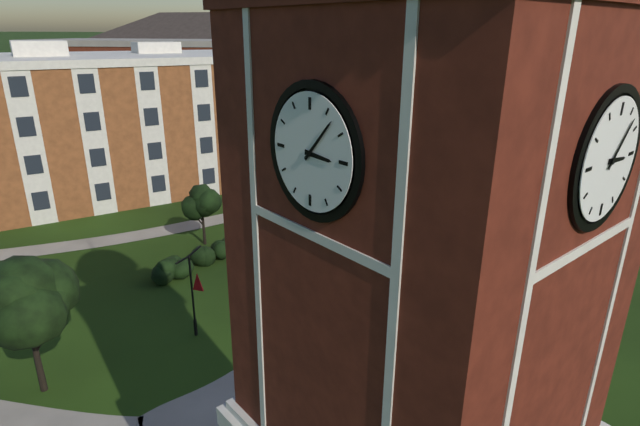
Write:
3,07
